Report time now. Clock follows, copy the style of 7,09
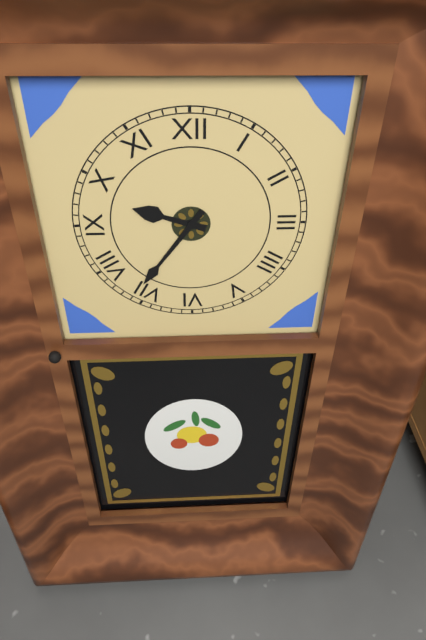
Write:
9,36
